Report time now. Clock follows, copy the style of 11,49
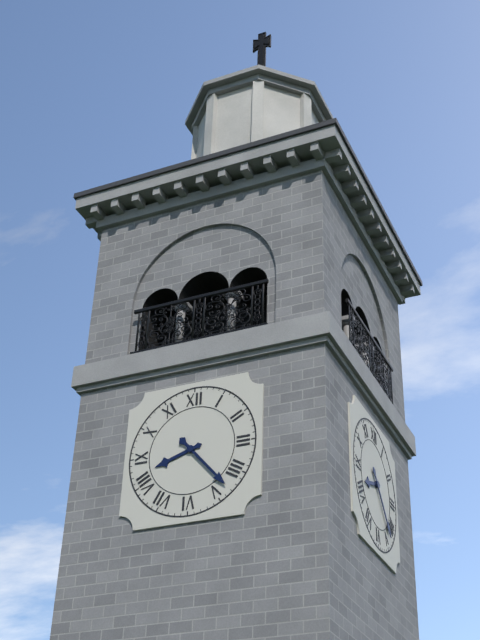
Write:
8,23
